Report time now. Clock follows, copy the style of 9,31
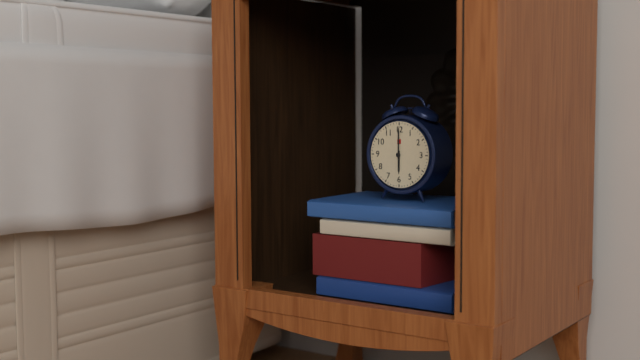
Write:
6,00
